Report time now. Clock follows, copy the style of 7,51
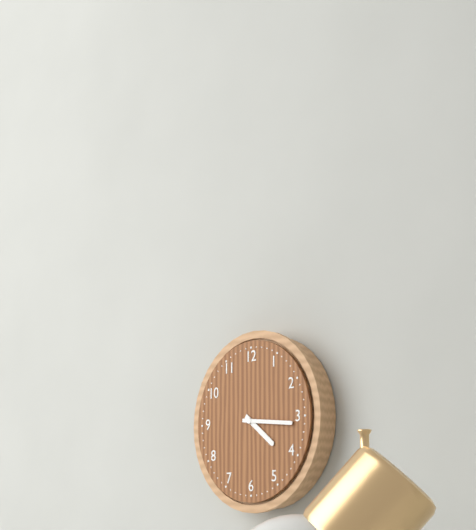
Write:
4,16
